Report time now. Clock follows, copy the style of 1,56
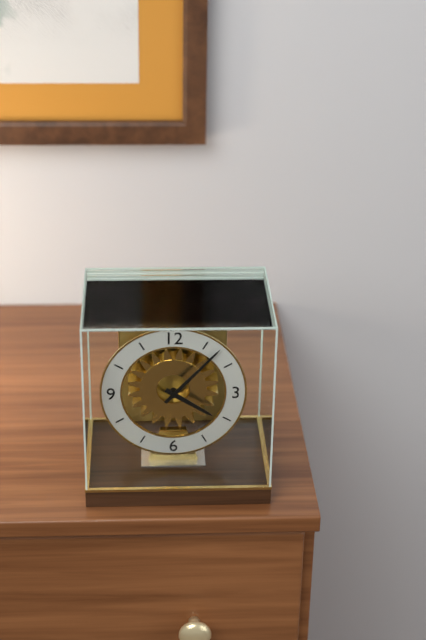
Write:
4,07
